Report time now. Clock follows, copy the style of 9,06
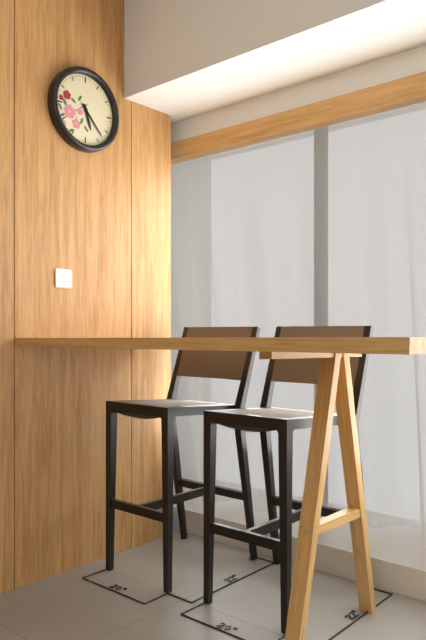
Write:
5,23
